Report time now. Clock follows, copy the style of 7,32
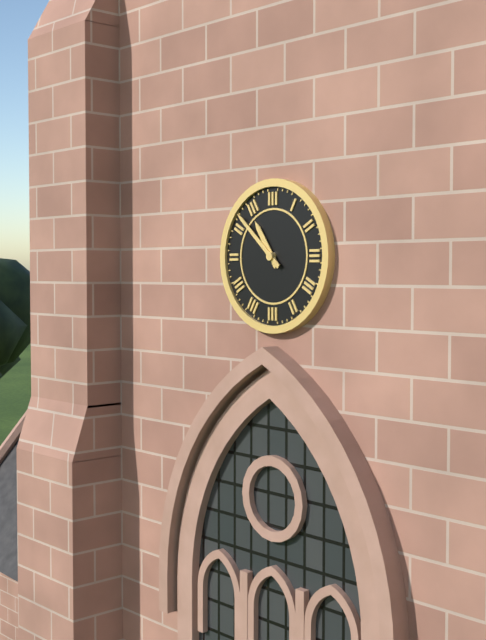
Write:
10,52
